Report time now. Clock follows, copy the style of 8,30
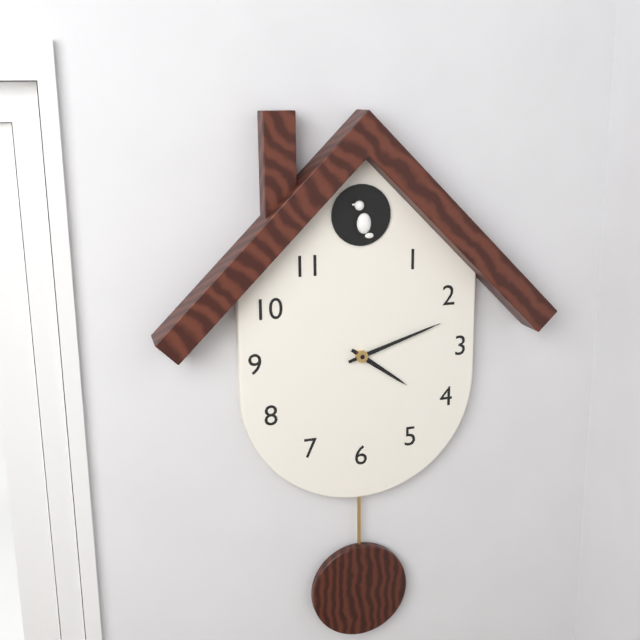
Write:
4,12
